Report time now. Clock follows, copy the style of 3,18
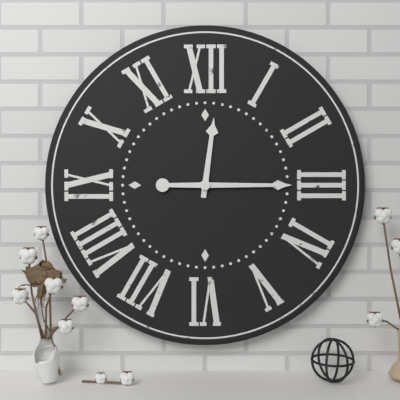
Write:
12,15
